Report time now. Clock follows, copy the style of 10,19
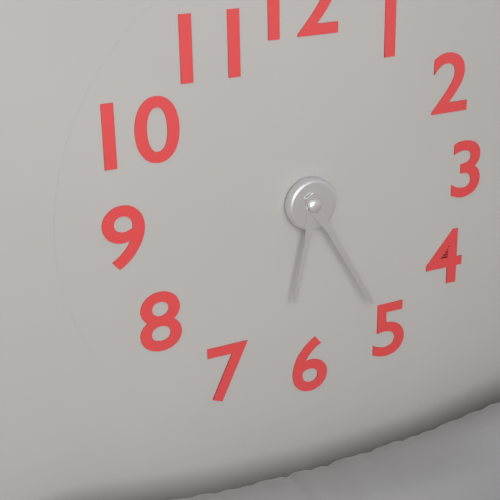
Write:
6,25
